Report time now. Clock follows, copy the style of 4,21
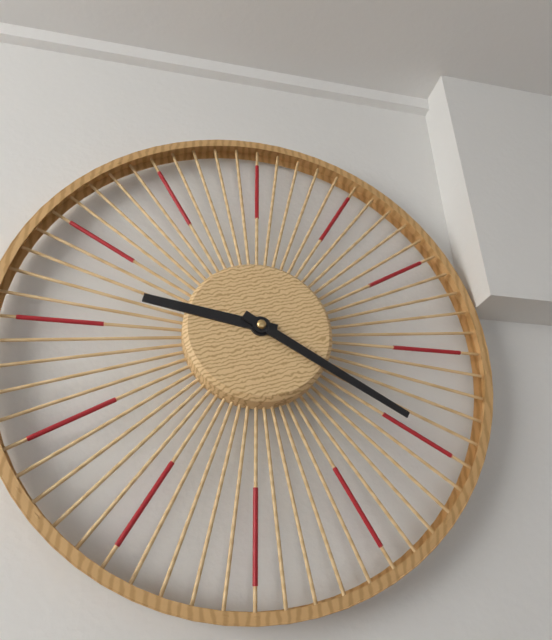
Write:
9,20
